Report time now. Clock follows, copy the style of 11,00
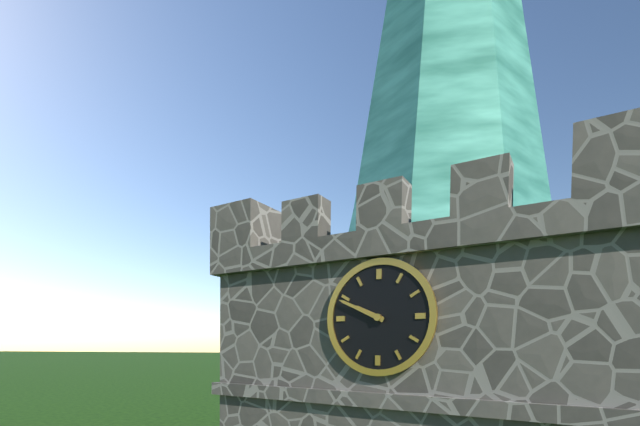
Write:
9,49
